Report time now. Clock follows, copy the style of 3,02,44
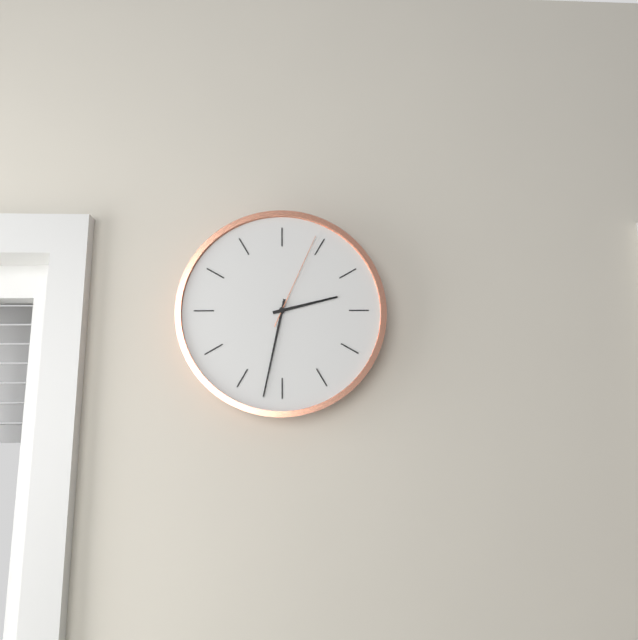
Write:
2,32,04
